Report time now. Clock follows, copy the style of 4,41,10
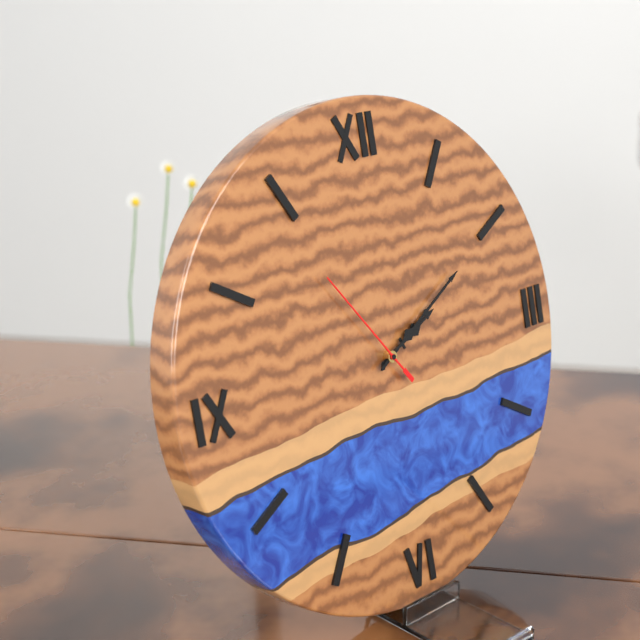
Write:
2,10,54
